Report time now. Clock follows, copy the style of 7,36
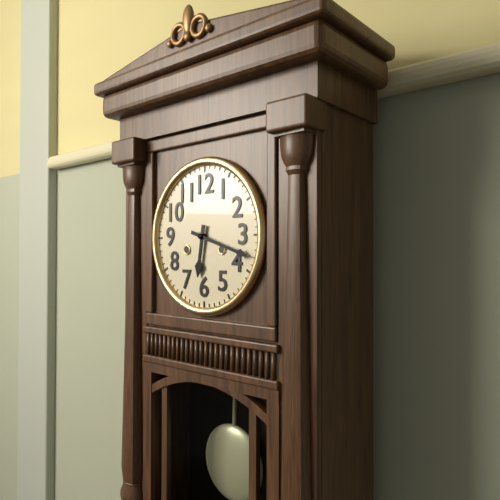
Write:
6,18
